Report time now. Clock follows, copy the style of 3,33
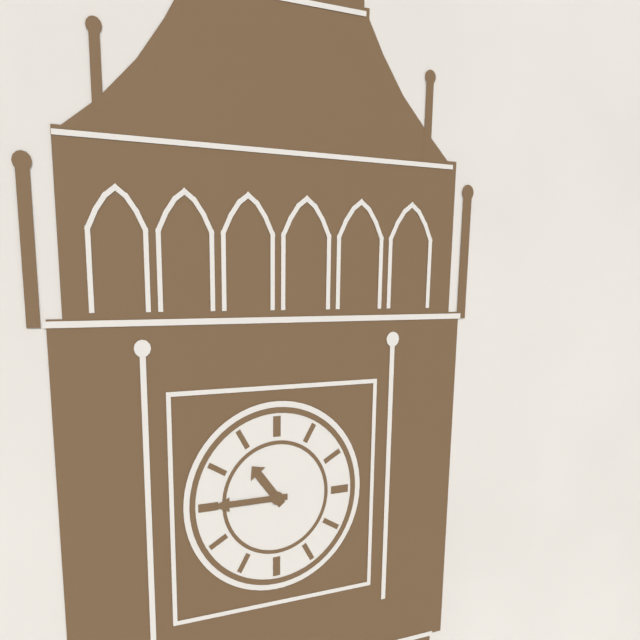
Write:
10,45
